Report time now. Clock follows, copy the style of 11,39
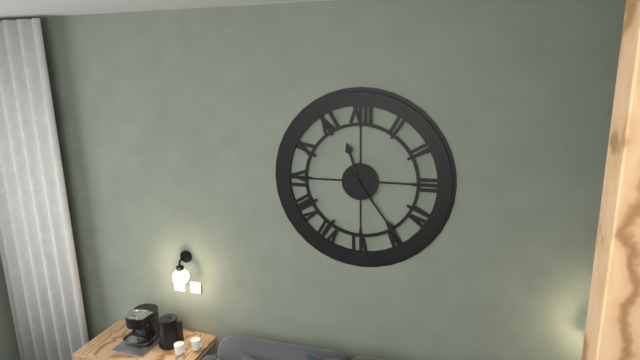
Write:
11,24
